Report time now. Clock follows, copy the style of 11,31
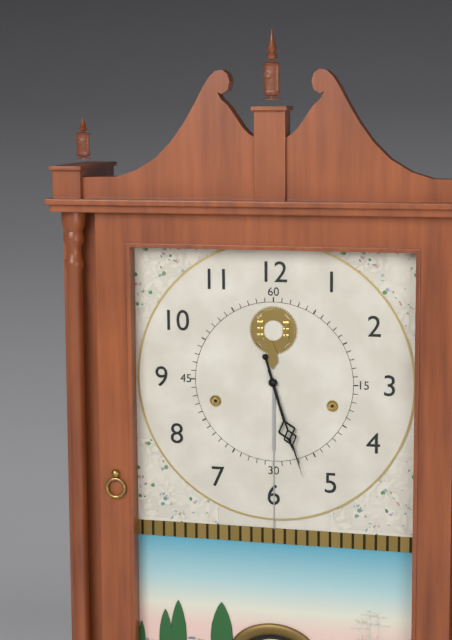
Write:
5,27
